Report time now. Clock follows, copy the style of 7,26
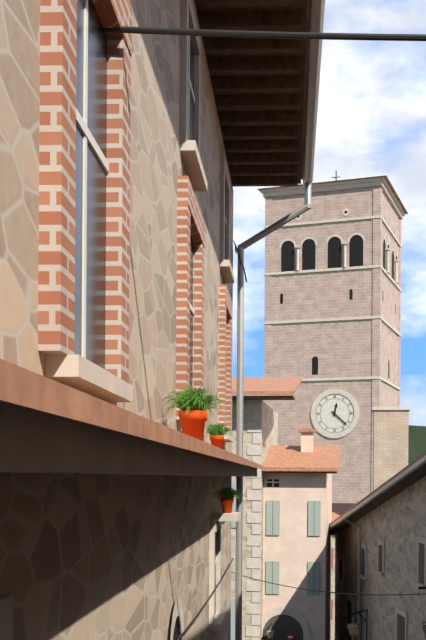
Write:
12,22
